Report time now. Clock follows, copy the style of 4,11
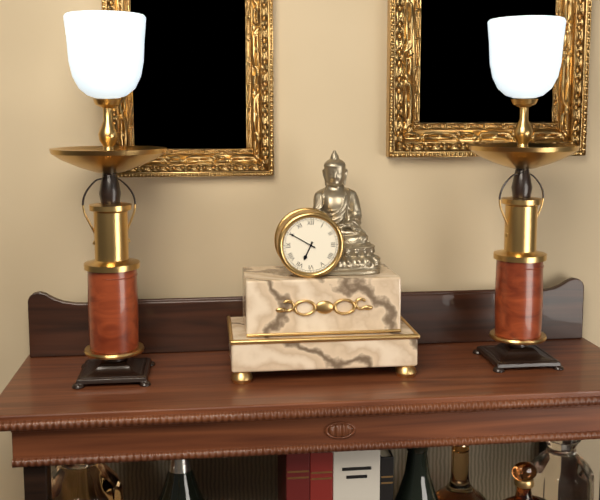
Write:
6,50
